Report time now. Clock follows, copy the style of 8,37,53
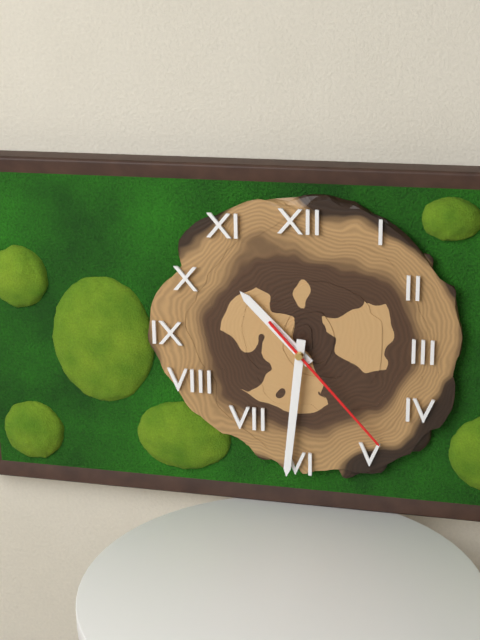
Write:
10,31,23
